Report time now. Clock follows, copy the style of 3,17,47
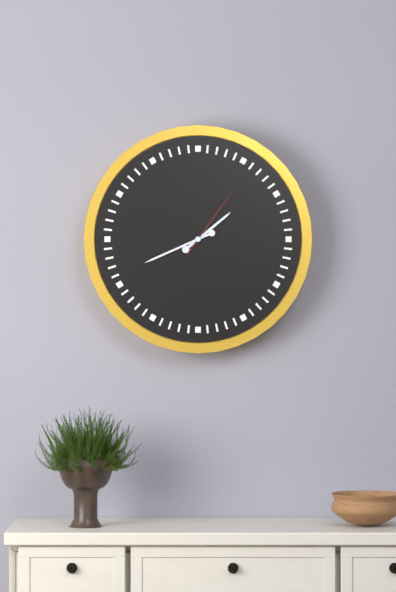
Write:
1,41,06
